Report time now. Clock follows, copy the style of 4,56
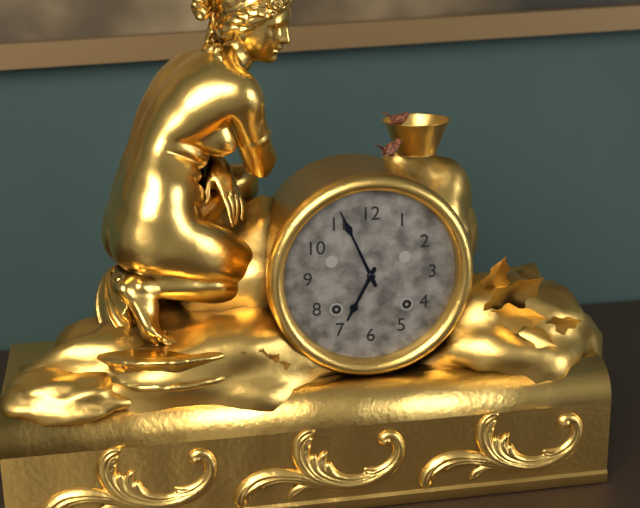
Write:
6,56
